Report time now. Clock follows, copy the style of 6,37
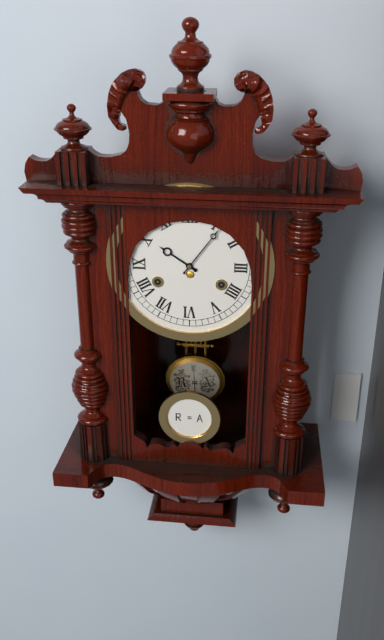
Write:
10,06
